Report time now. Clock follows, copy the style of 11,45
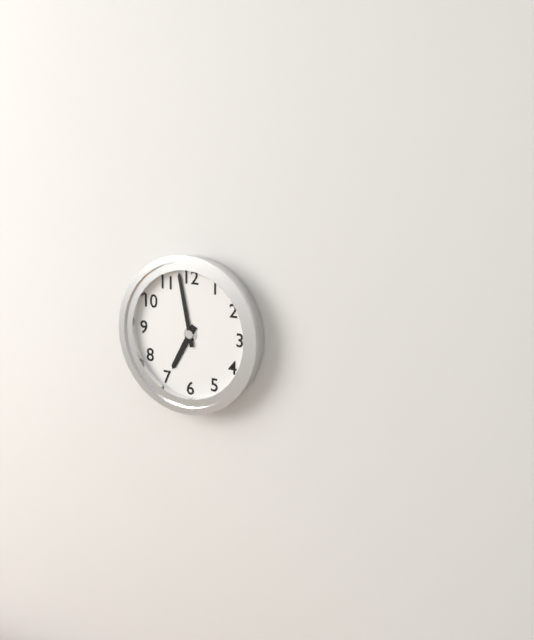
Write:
6,58
